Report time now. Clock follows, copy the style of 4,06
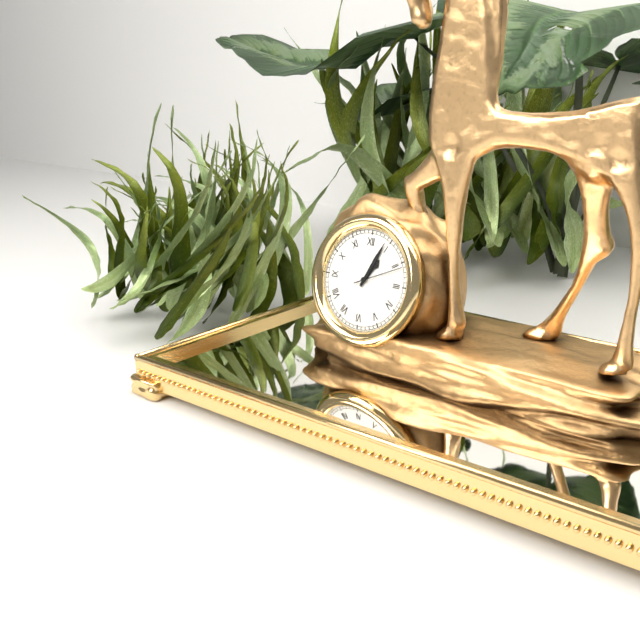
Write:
1,04
